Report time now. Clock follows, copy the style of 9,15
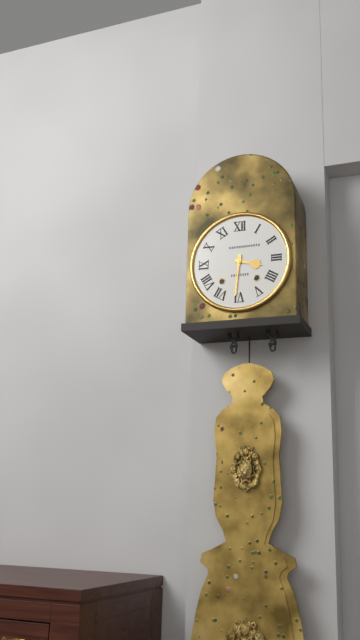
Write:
3,31
